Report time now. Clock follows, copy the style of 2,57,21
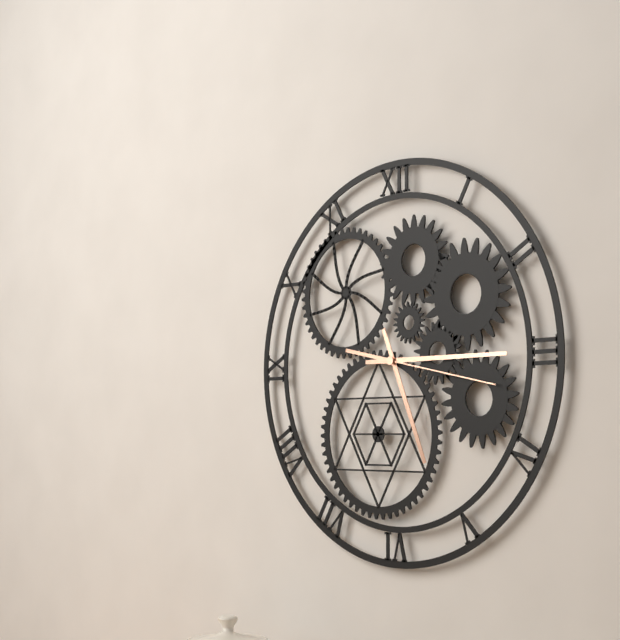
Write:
5,15,17
